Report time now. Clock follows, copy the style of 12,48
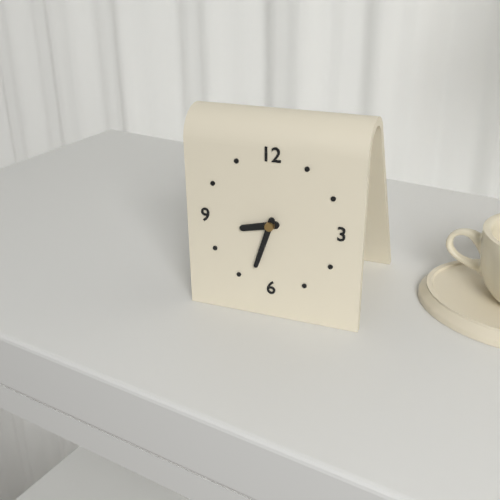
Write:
8,33
